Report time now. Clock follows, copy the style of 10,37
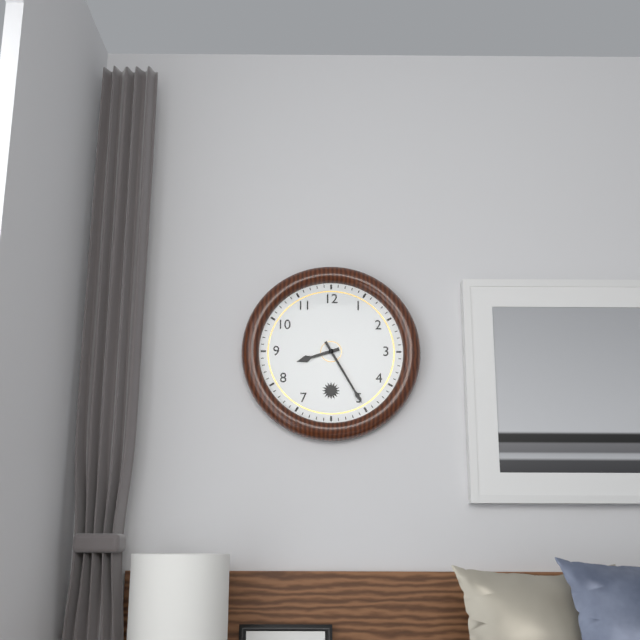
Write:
8,25
